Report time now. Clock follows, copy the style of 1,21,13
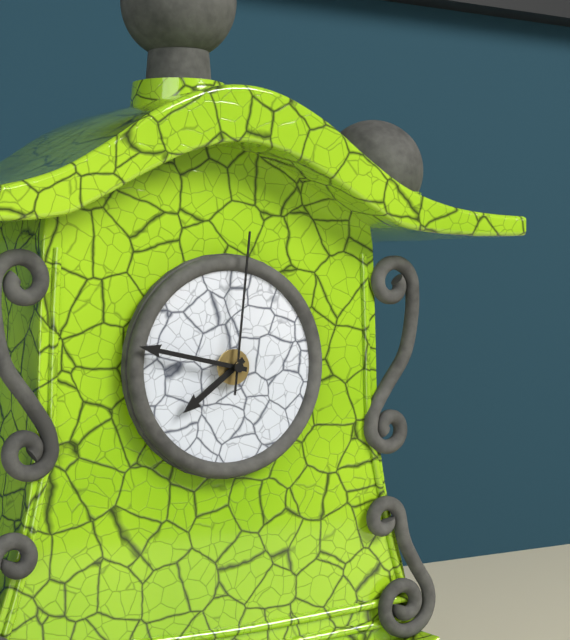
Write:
7,47,01
